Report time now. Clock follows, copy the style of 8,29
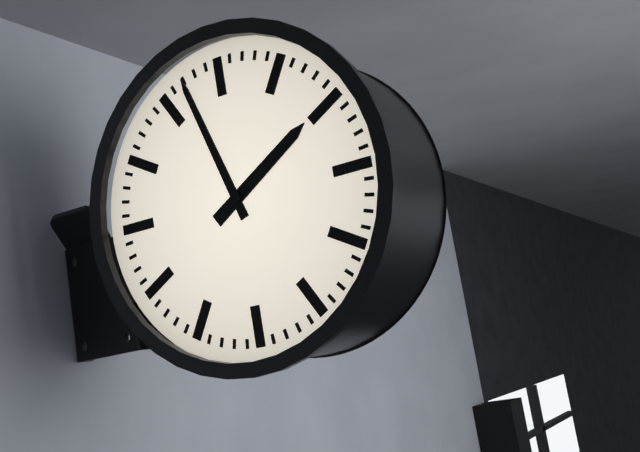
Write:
1,57
